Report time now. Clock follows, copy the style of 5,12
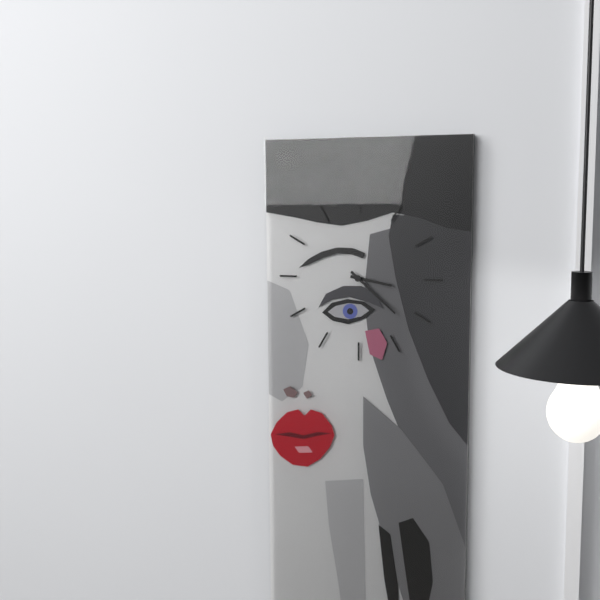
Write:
3,22
